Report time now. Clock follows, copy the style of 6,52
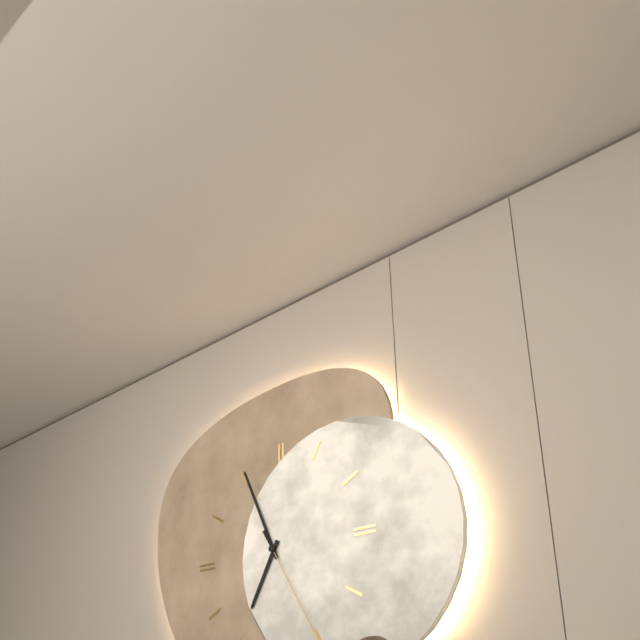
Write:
6,56
